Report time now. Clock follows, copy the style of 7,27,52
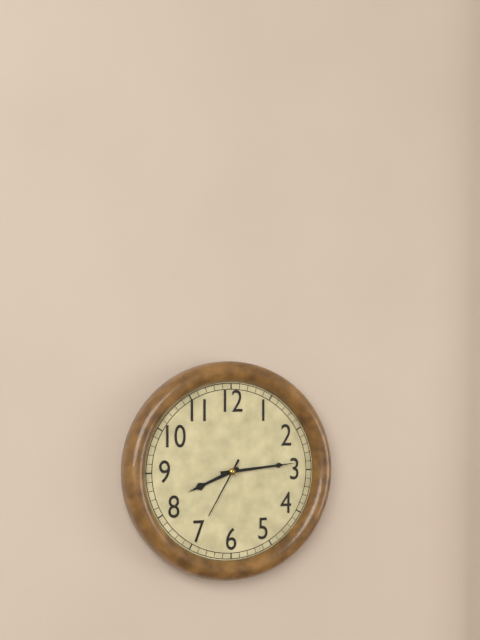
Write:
8,14,35
